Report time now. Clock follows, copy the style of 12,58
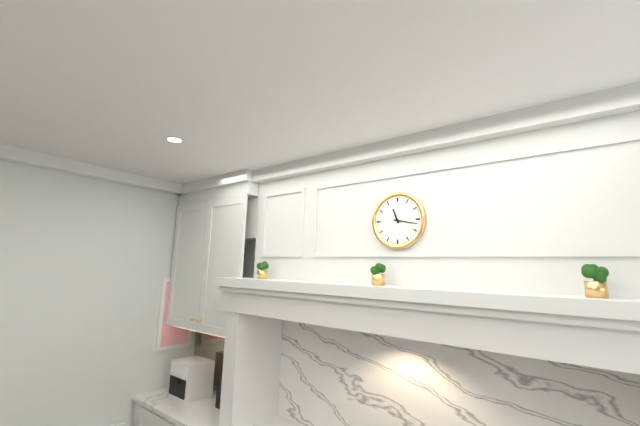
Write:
11,17
